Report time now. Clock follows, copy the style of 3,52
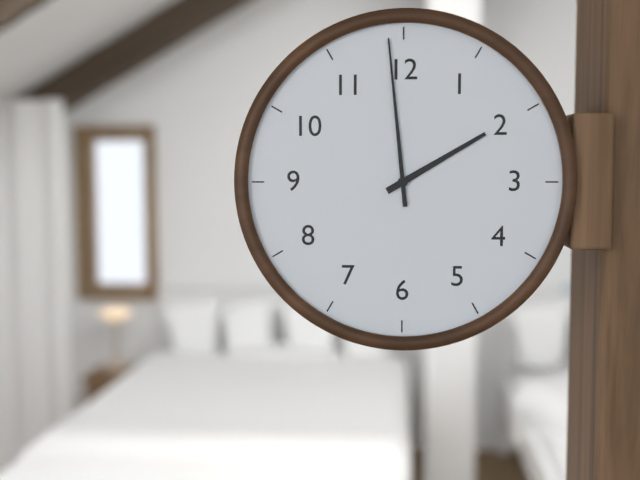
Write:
1,59
